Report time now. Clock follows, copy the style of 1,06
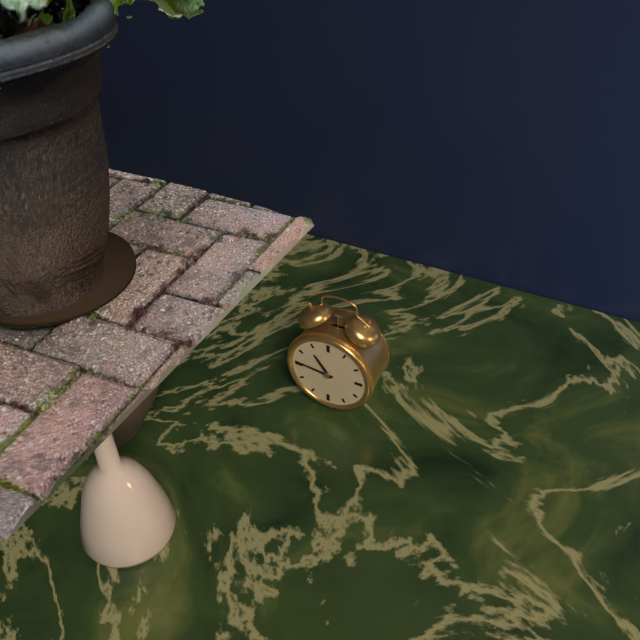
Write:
10,46
